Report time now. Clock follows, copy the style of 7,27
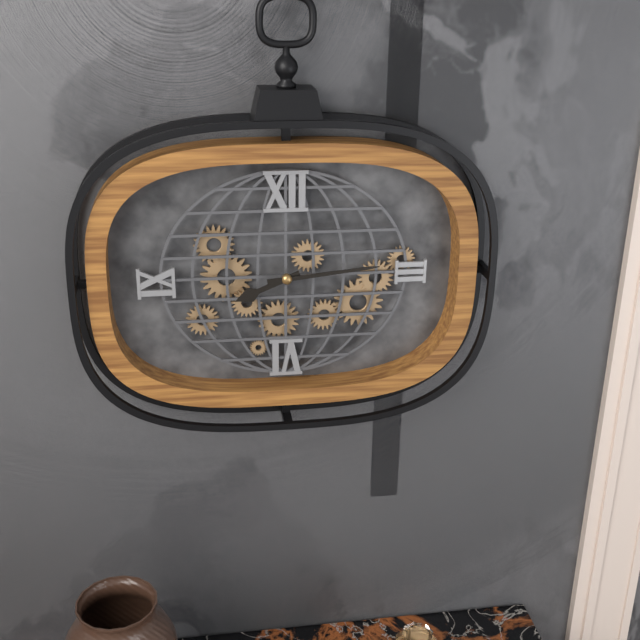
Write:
8,14
